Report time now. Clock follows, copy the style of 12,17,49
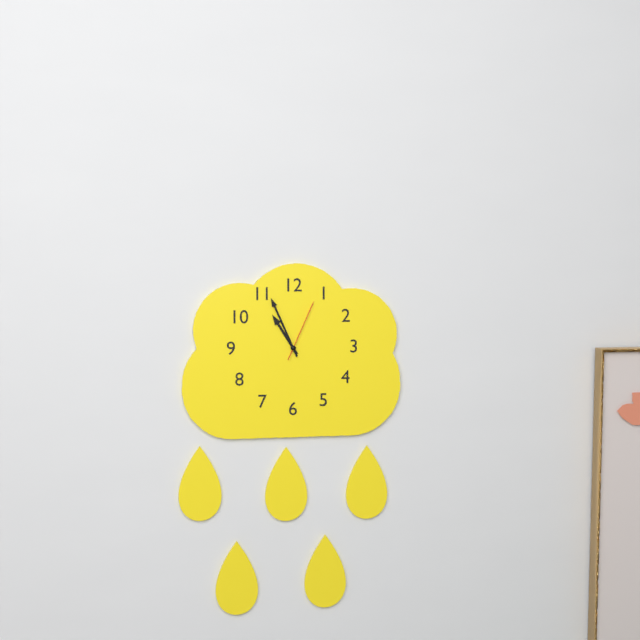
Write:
10,56,04
